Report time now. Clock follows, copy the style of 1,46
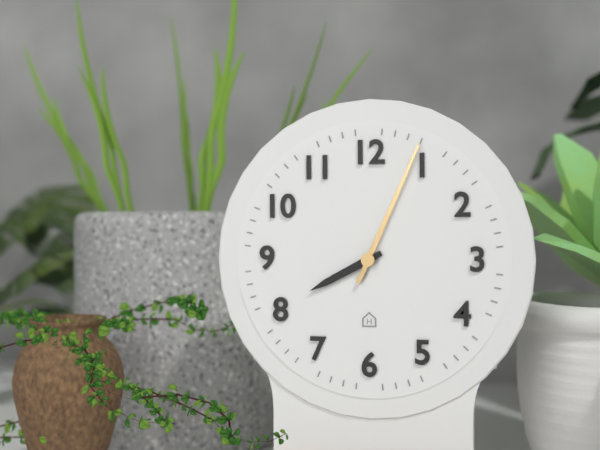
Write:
8,04
